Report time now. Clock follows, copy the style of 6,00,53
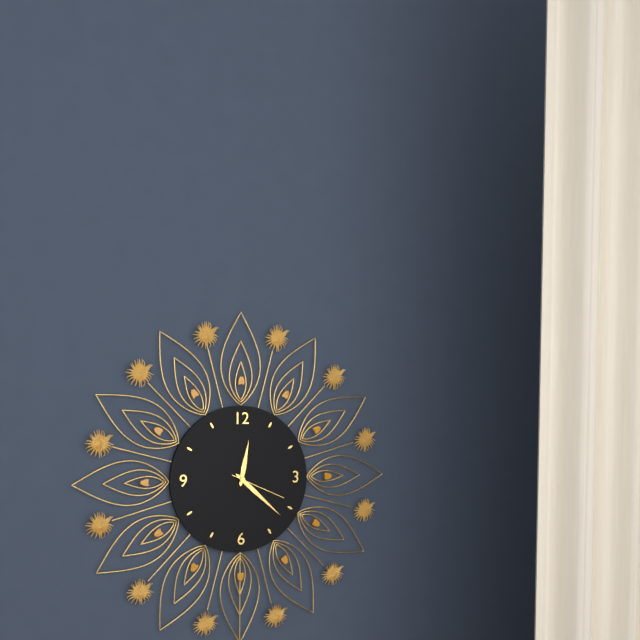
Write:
12,22,19
